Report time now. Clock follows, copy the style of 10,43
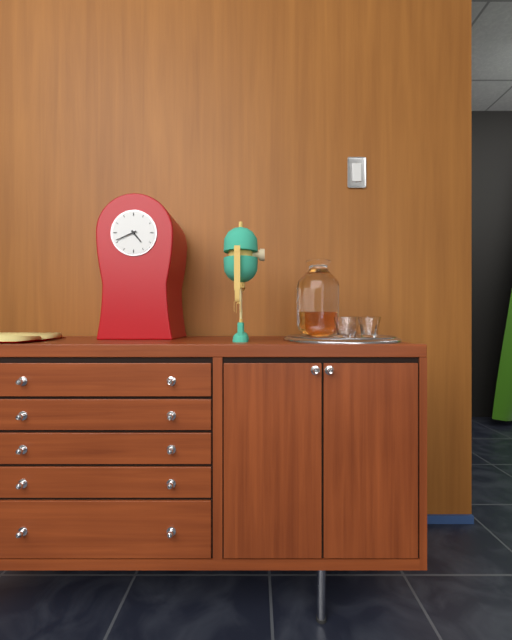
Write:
4,41
